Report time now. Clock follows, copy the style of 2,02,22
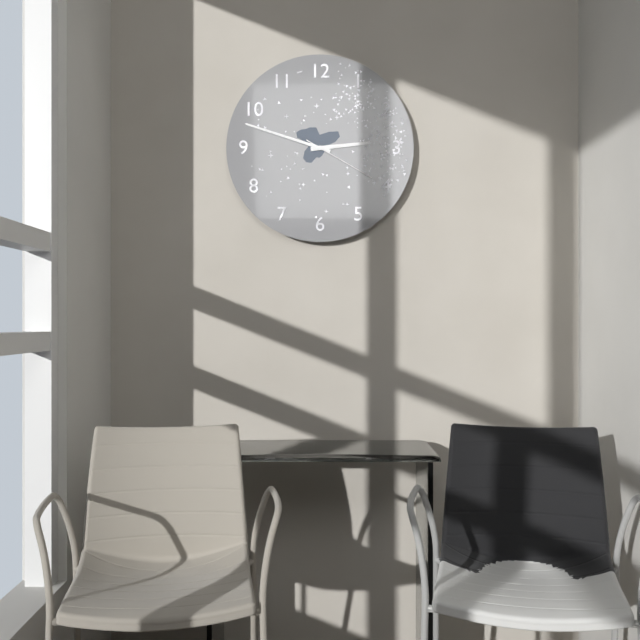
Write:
2,48,20
